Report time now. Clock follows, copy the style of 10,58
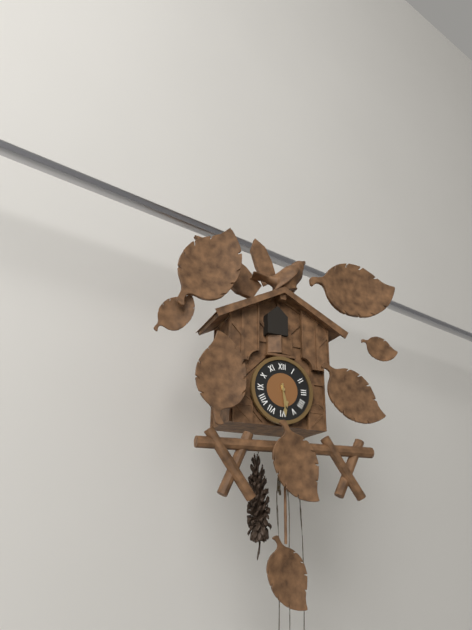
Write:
5,29
